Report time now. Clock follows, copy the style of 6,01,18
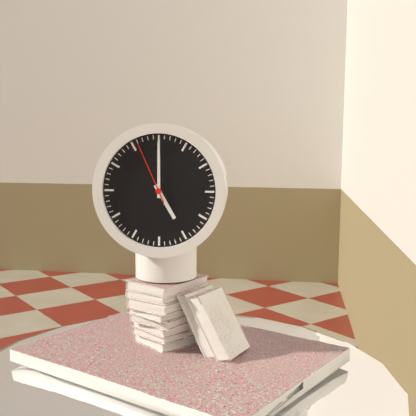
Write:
5,00,56
